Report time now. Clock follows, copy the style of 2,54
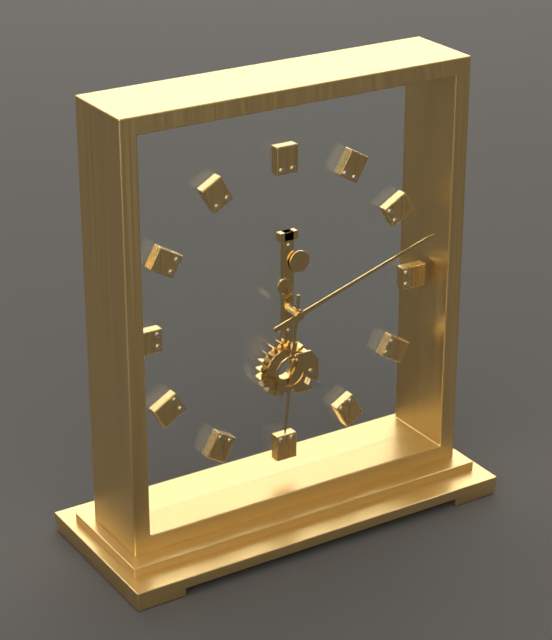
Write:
6,12
